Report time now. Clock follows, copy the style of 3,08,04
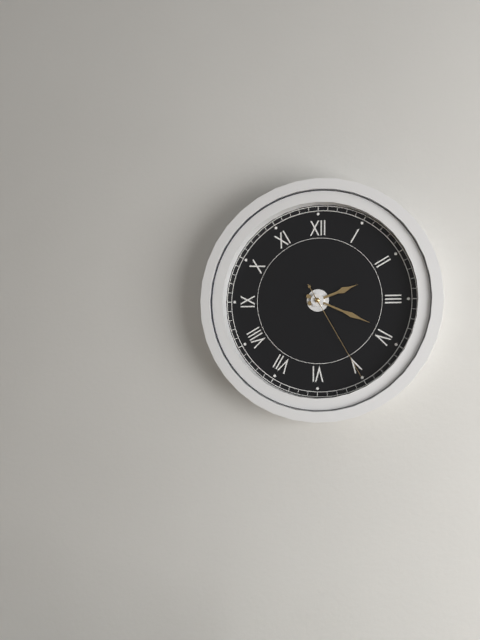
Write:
2,19,25
